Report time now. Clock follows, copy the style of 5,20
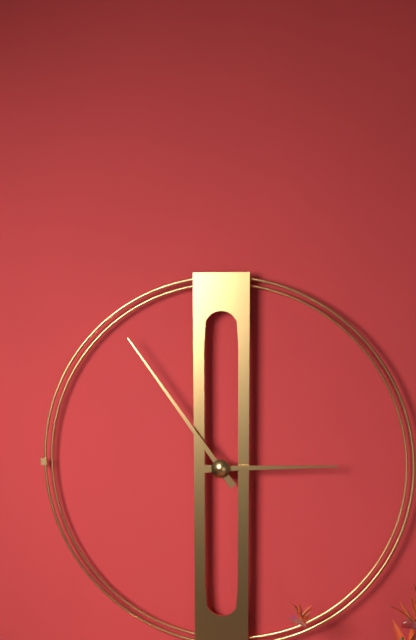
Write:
2,54
